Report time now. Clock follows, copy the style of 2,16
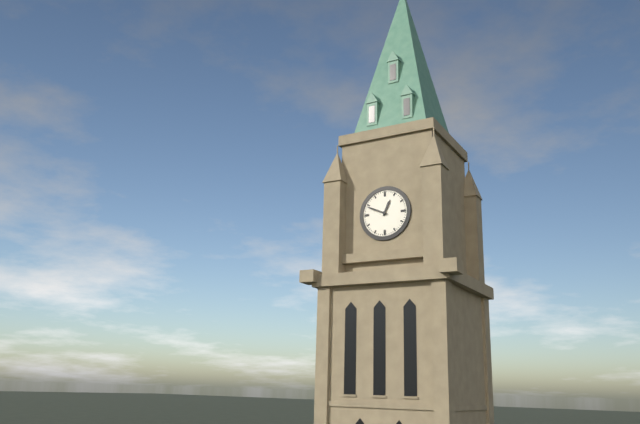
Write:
12,49
